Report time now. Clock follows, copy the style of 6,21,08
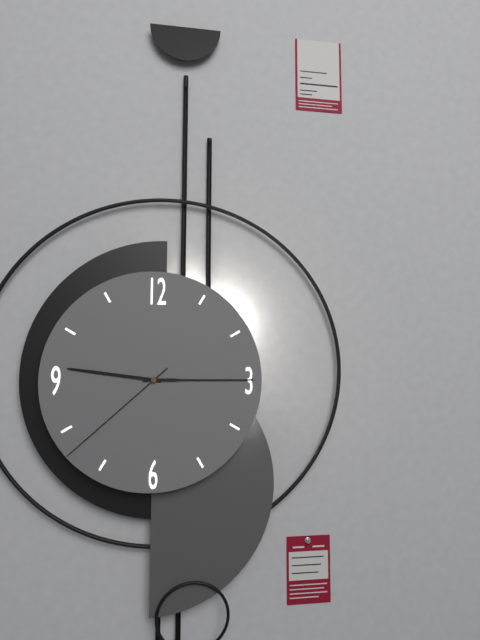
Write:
9,15,38
